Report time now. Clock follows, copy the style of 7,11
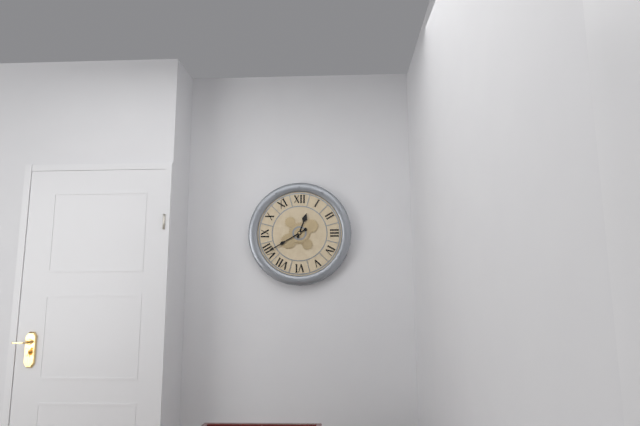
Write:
12,40
